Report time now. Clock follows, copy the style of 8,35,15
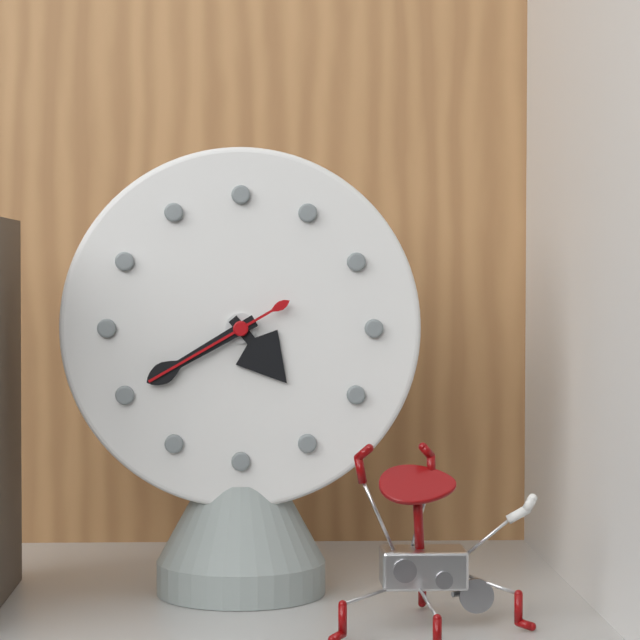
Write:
4,40,40
